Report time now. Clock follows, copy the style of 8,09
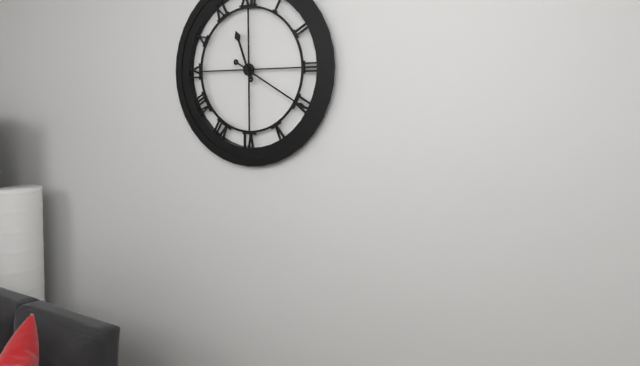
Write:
11,20
